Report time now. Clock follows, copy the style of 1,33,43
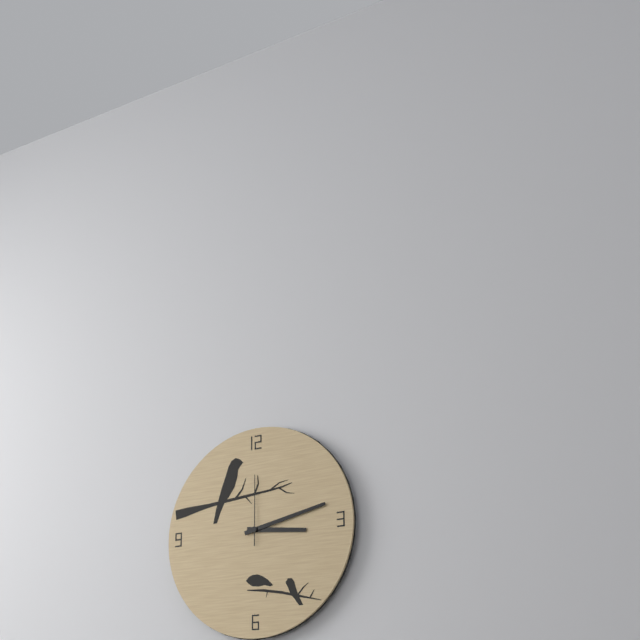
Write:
3,13,00
